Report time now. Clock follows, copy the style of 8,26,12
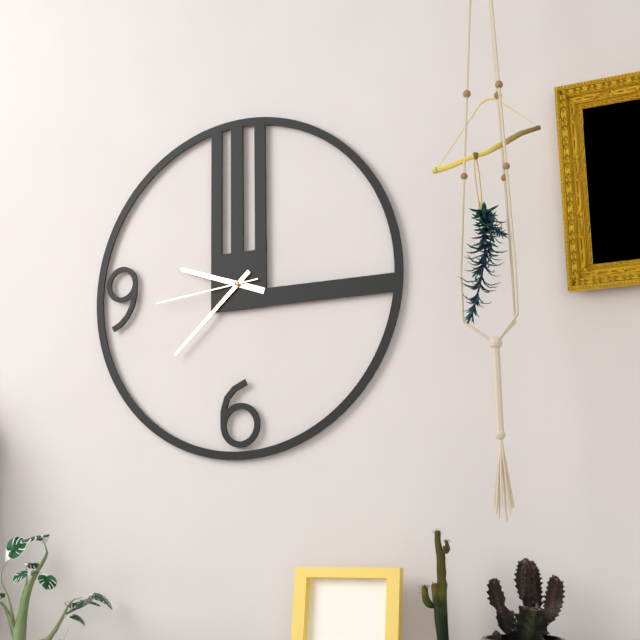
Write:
9,38,44
